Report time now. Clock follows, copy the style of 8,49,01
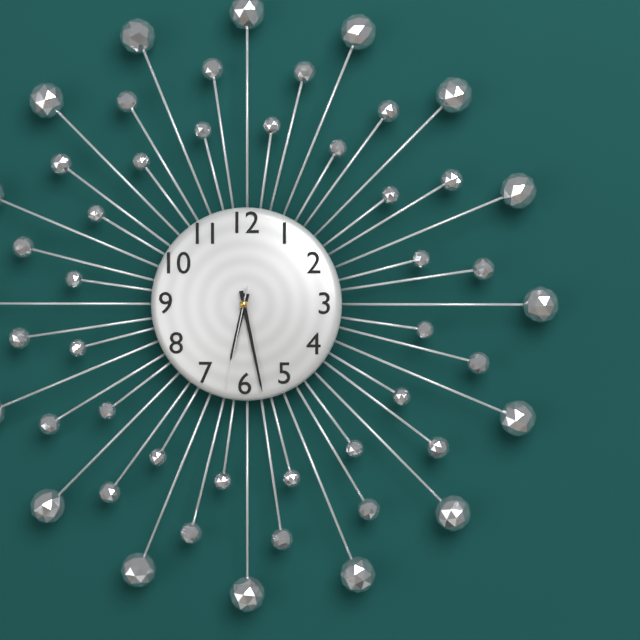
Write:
6,28,32
